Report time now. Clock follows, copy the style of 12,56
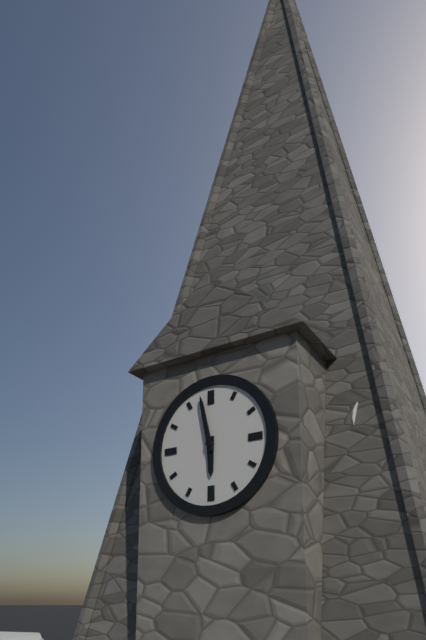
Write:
5,58
